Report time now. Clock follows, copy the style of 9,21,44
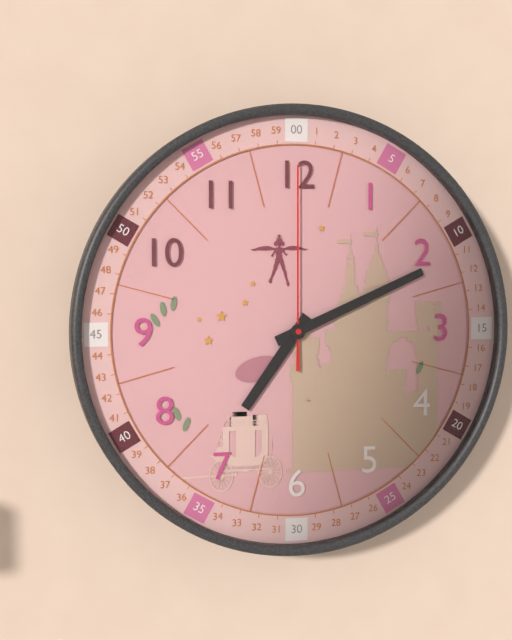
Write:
7,11,00
